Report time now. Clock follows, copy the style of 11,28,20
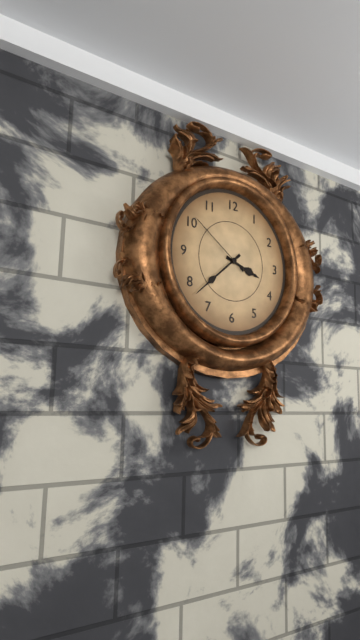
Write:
3,38,51
